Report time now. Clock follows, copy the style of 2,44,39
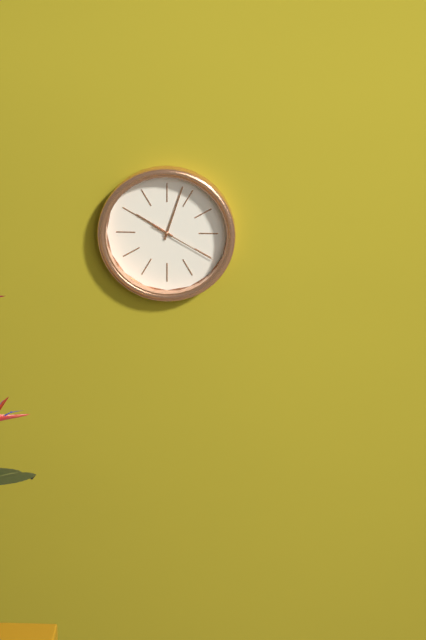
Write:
10,03,20
